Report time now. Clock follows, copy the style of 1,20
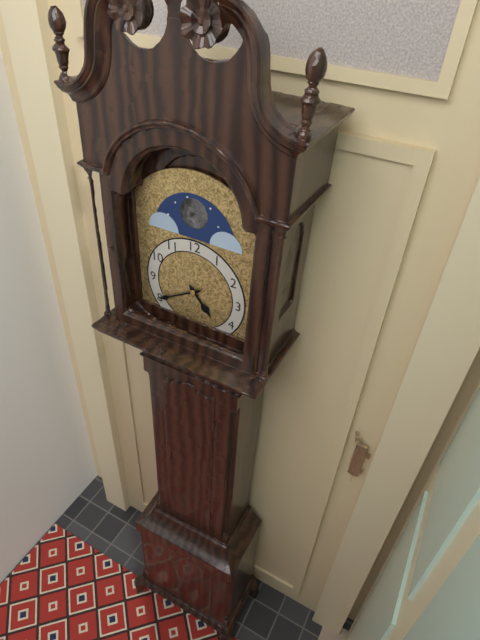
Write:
4,40
